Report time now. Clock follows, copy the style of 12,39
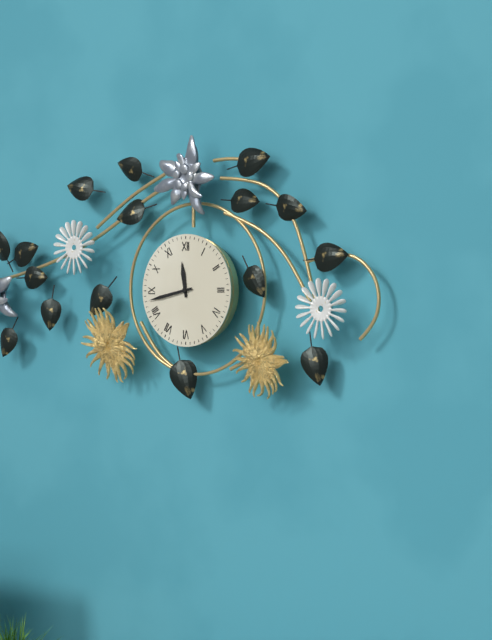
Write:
11,43
